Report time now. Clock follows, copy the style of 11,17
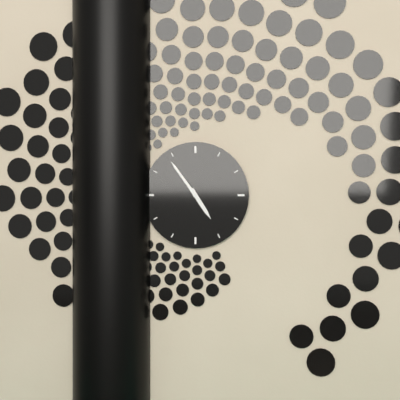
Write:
4,54
